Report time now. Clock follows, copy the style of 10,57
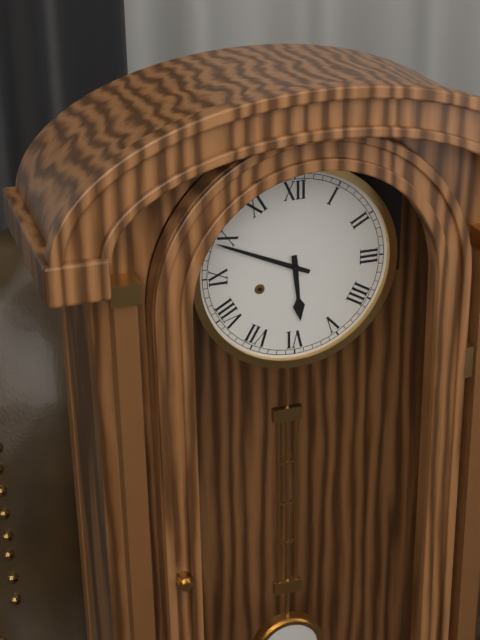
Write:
5,49
